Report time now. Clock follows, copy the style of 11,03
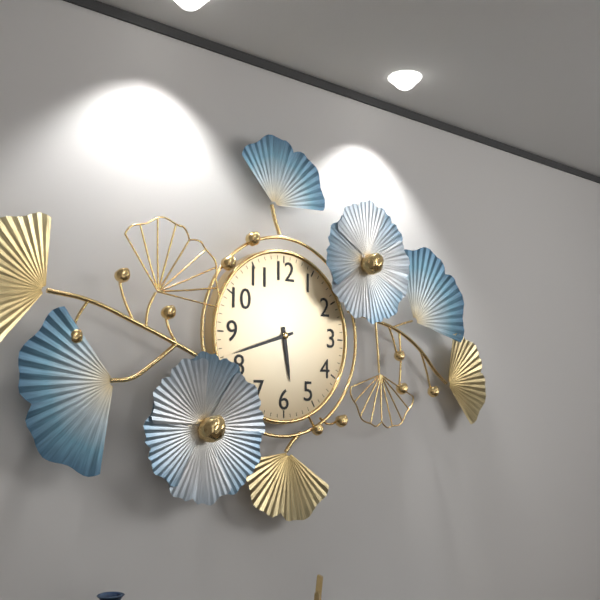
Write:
5,42
